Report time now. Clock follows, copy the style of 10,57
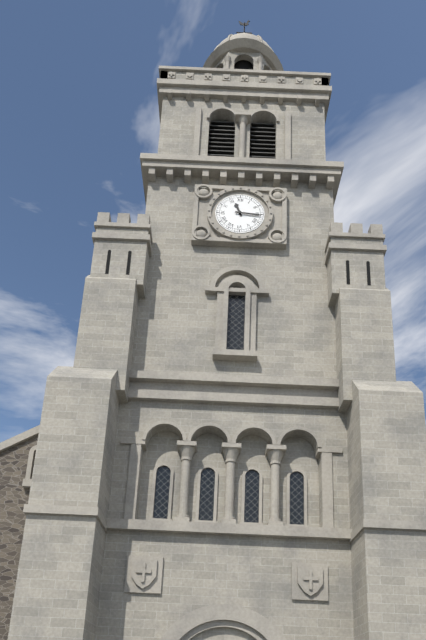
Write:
11,16
